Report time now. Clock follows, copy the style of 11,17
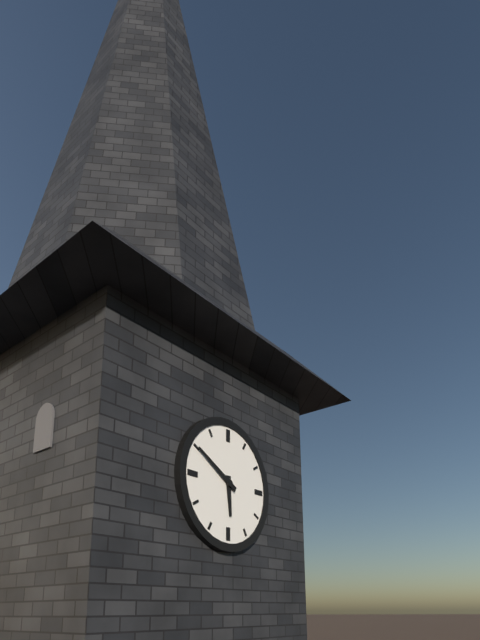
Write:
5,50
